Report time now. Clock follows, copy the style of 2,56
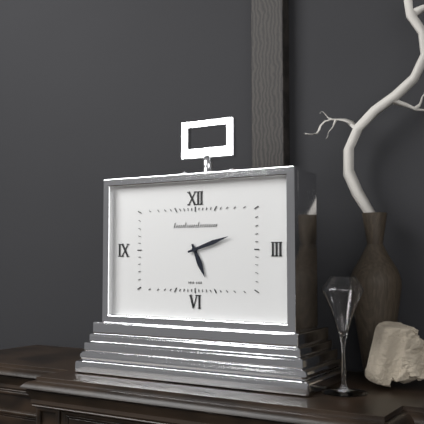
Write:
5,12
